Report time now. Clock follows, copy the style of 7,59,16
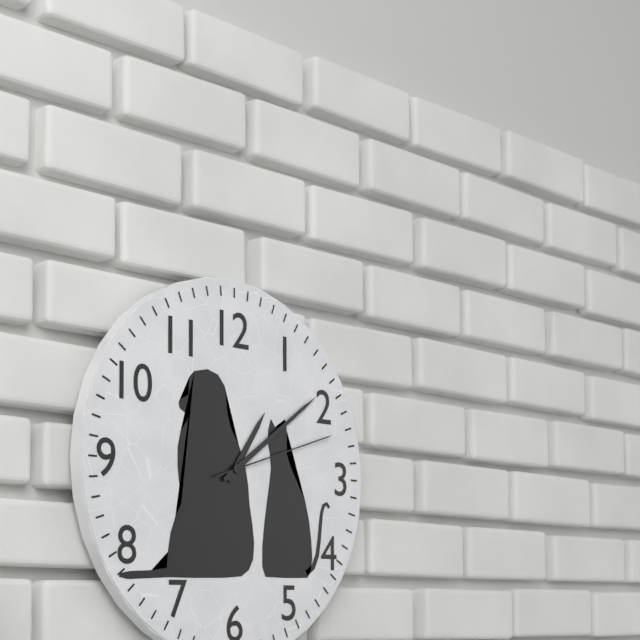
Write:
1,09,12
